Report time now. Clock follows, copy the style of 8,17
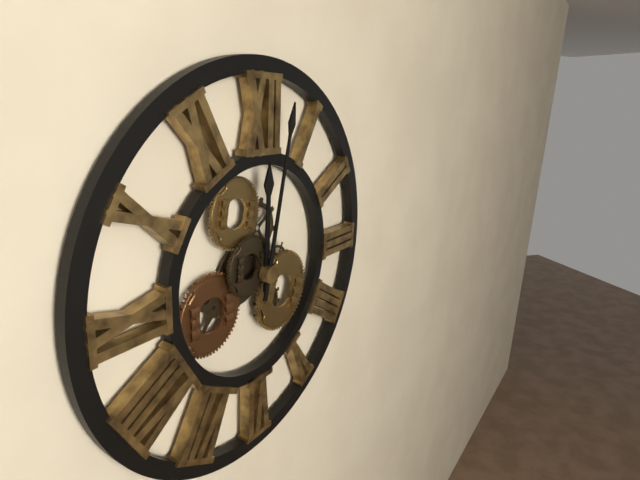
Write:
12,02
